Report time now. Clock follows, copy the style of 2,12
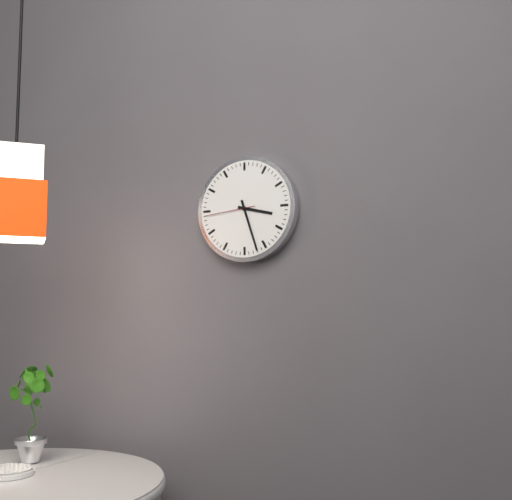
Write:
3,27
